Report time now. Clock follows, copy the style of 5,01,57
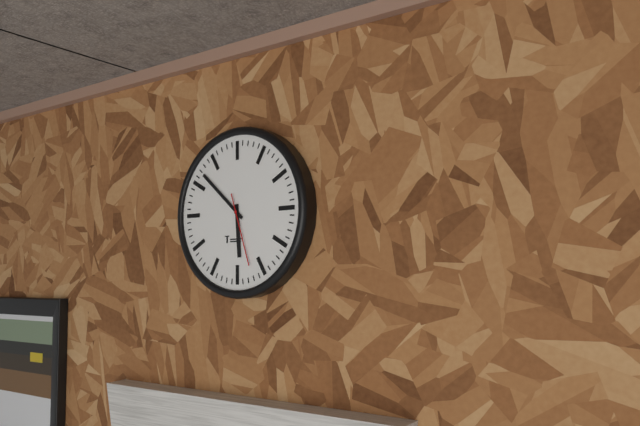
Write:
5,52,27
